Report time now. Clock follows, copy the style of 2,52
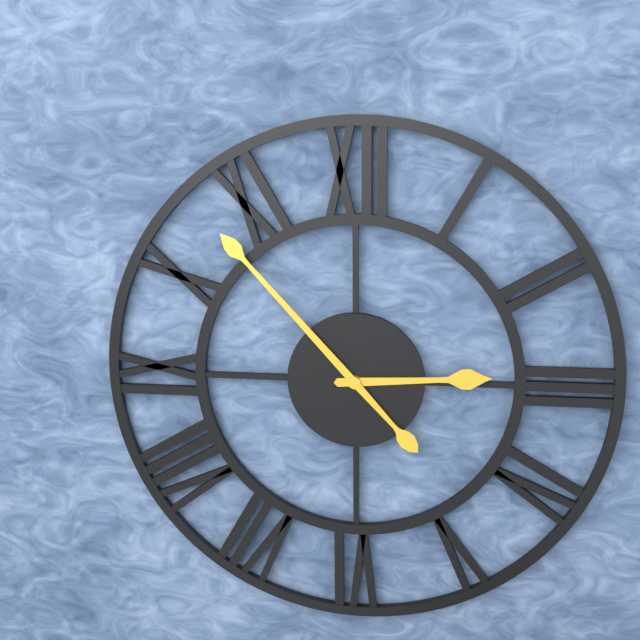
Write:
2,53
